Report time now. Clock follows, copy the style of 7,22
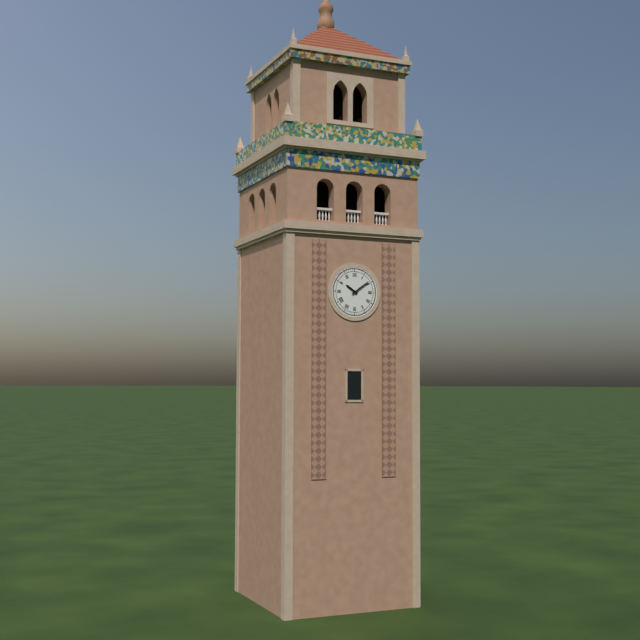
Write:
10,09
